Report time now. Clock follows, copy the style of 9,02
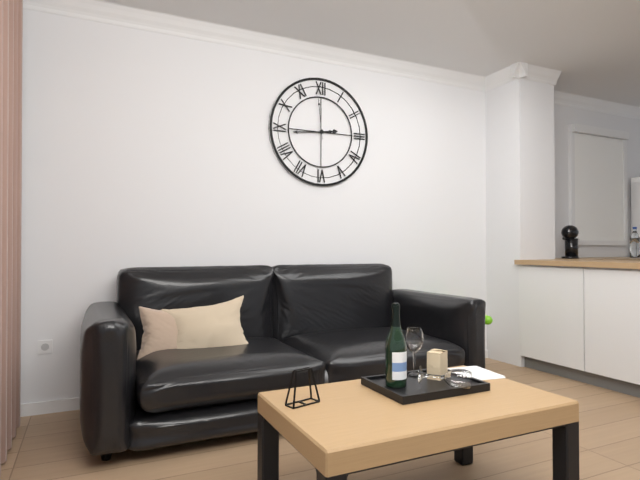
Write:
2,44
